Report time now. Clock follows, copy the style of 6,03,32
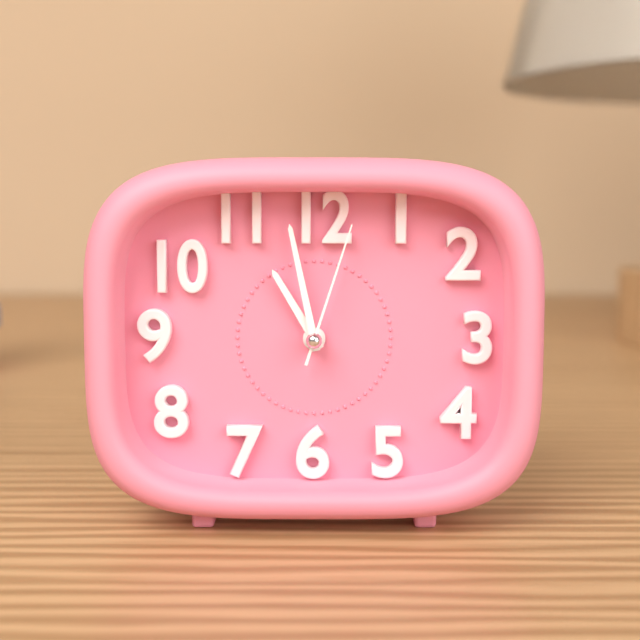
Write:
10,58,03
